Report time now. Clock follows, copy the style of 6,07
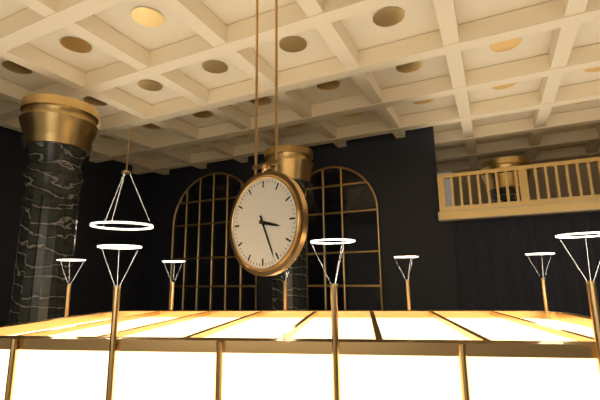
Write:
3,26
